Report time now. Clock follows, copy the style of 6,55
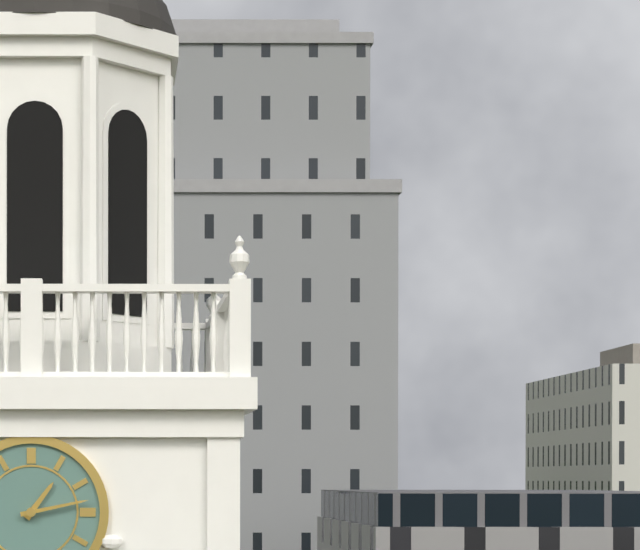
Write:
1,13
